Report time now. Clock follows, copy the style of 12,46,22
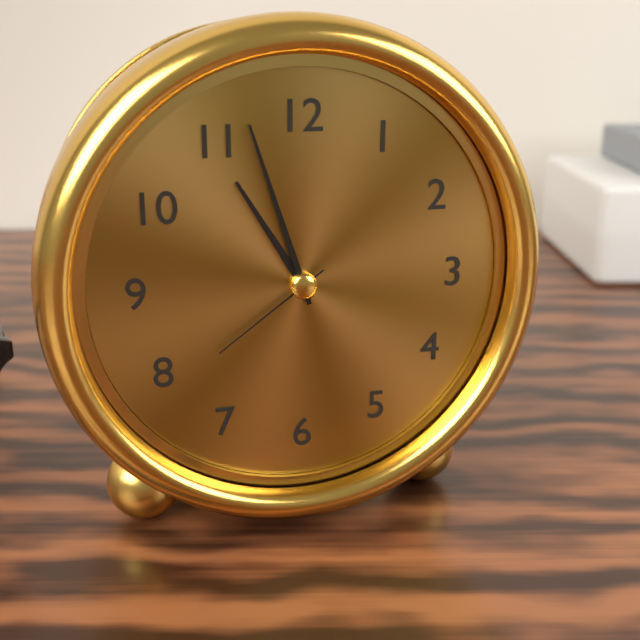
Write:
10,57,39
